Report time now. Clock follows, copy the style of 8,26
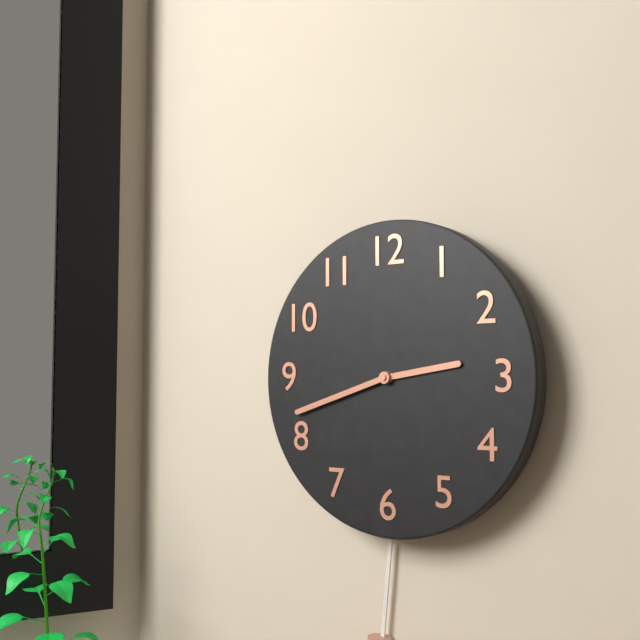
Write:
2,42
